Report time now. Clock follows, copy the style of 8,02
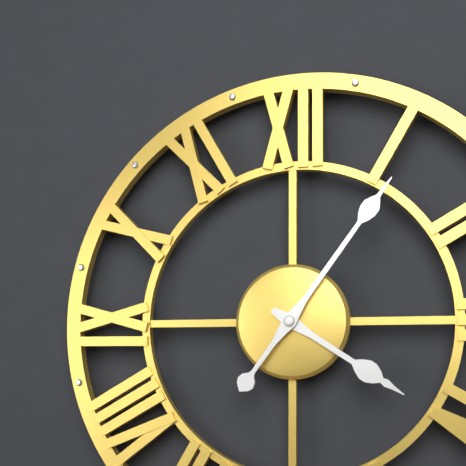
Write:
4,06
